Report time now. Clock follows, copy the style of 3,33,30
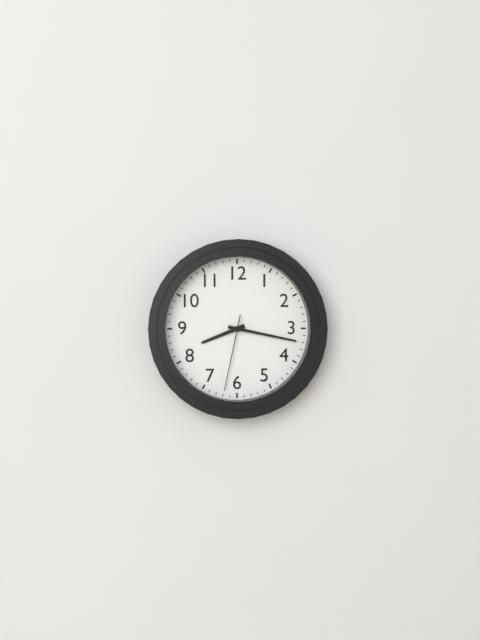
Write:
8,17,32
